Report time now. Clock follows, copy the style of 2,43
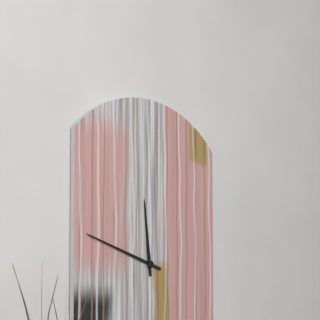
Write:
11,48
